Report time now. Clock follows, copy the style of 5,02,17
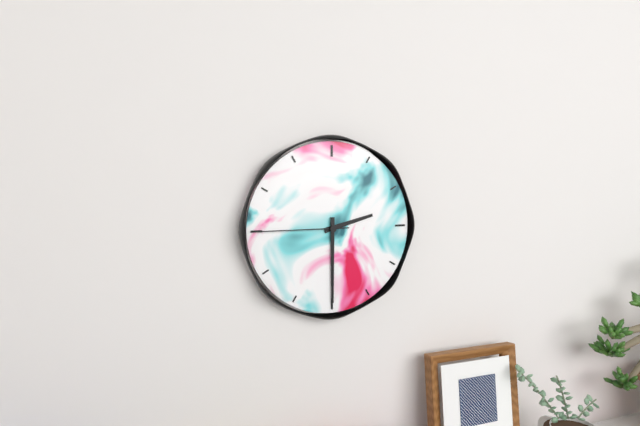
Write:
2,30,45
